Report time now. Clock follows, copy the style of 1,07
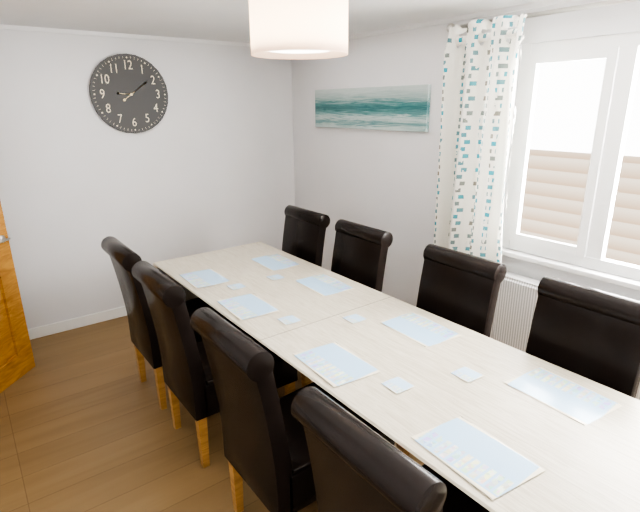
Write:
9,09
